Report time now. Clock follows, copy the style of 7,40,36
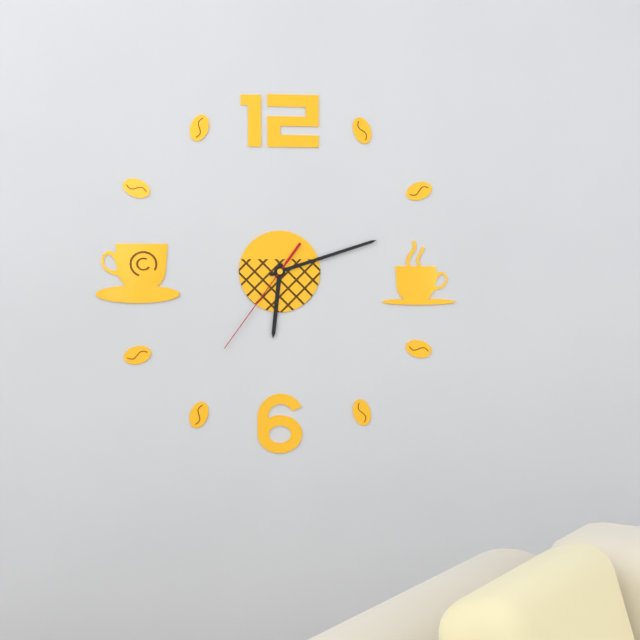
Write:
6,12,36
